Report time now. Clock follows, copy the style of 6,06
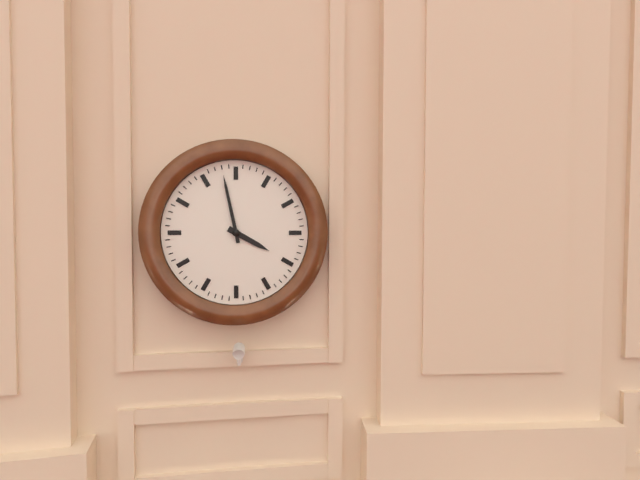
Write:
3,58
